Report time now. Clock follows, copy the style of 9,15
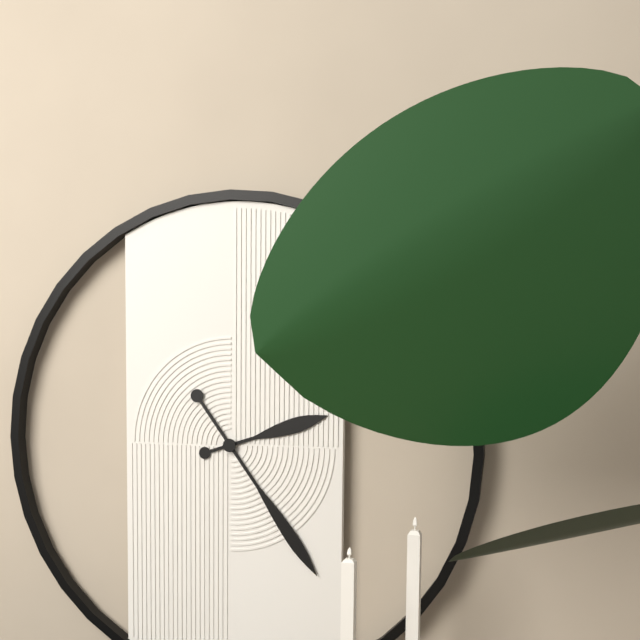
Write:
2,24
